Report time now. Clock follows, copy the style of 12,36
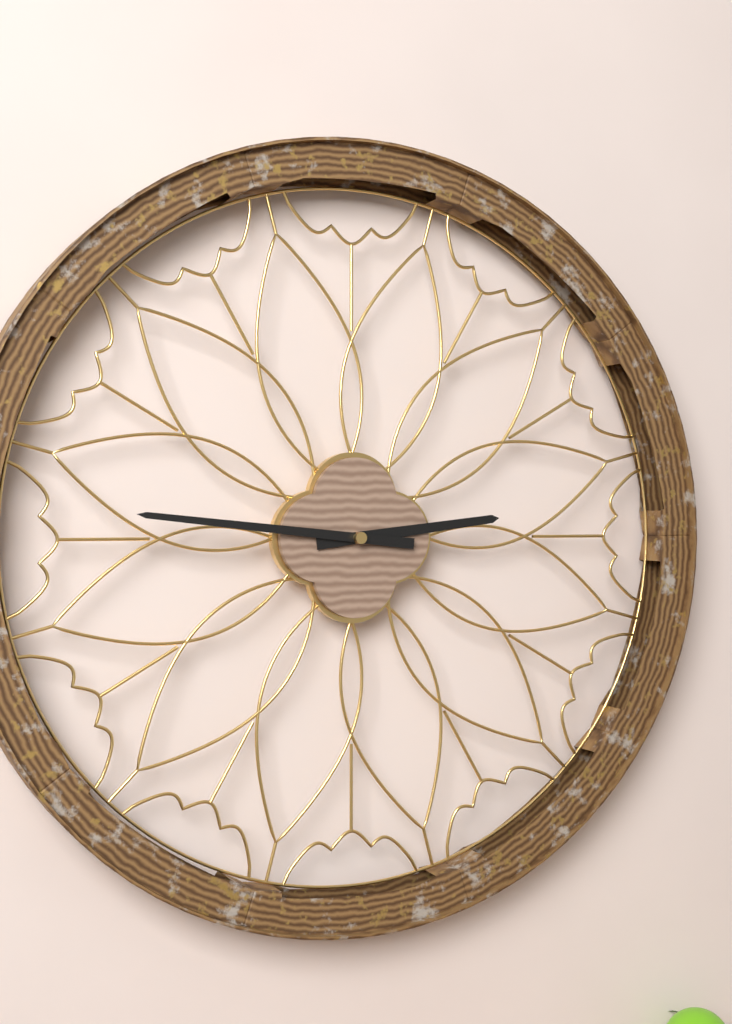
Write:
2,46
